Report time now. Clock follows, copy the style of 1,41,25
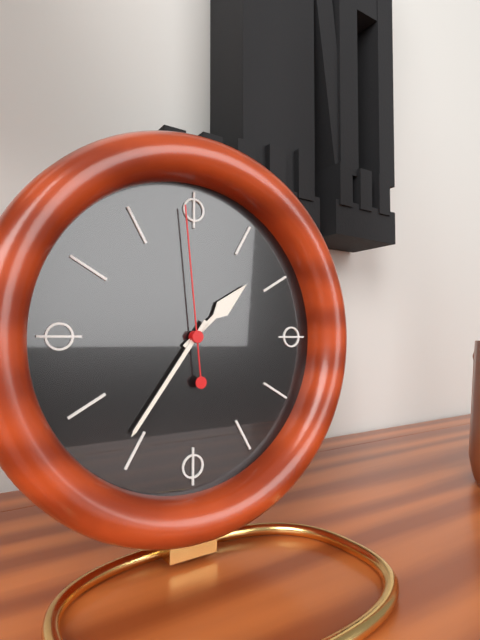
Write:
1,36,59
